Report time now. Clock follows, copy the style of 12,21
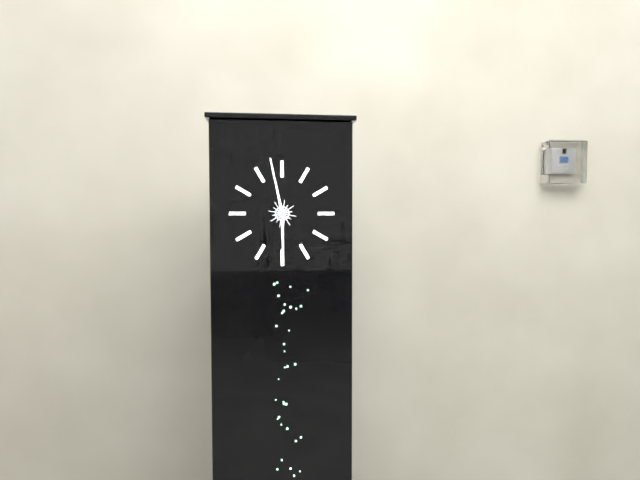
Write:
5,58
